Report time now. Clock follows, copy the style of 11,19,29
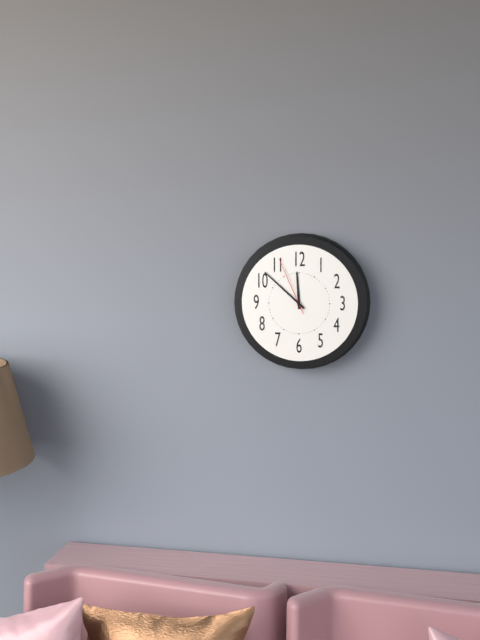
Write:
11,52,56
